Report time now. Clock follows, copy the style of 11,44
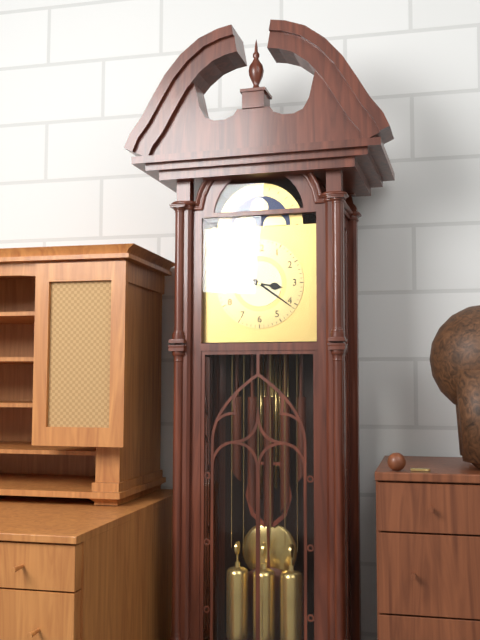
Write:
3,21
